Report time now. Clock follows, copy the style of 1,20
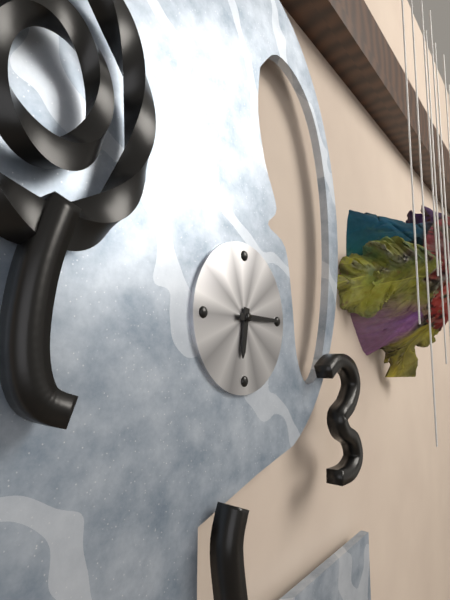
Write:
6,15
